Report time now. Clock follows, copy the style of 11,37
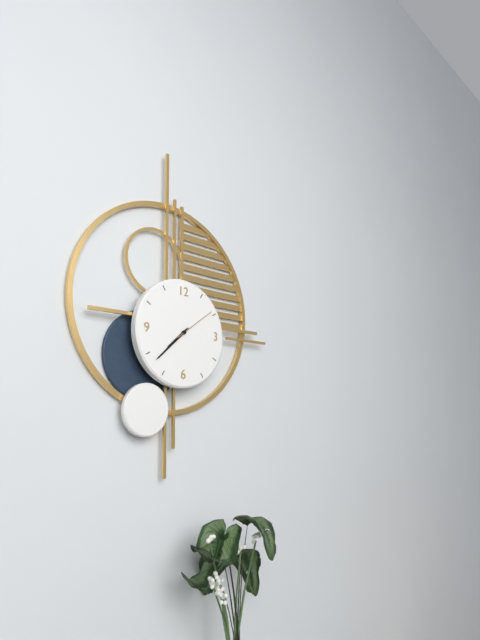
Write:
7,38
